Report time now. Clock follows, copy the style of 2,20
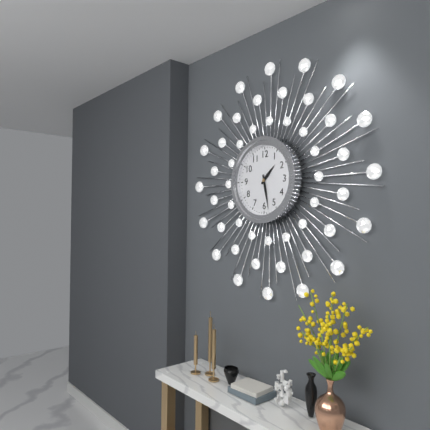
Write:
1,28
